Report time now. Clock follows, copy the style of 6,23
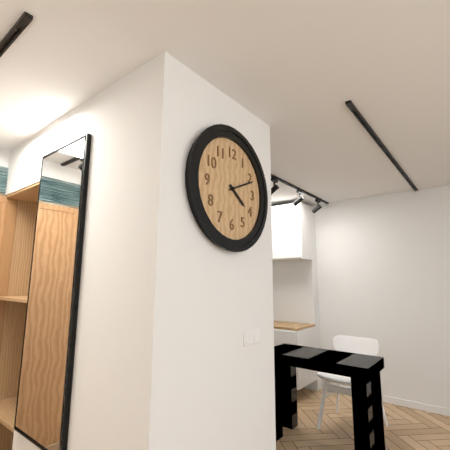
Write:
4,11
